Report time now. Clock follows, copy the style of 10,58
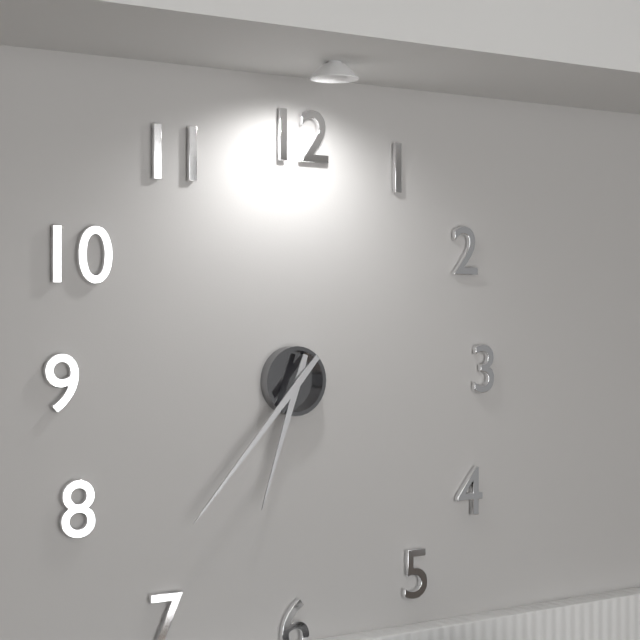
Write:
6,37
